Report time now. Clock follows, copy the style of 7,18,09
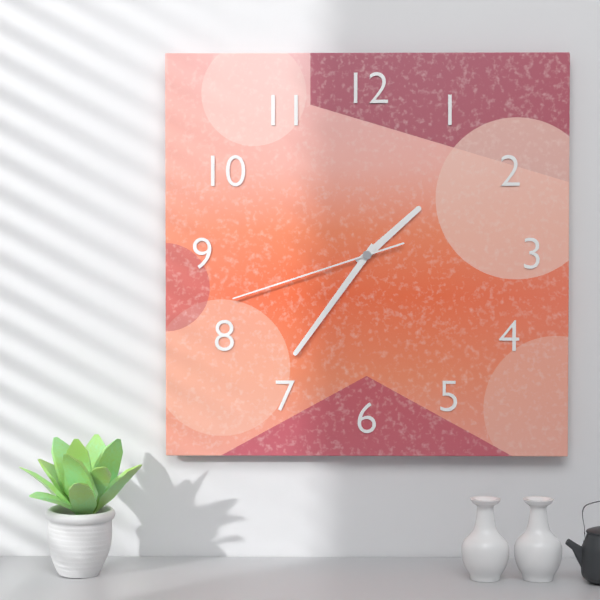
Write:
1,36,42
